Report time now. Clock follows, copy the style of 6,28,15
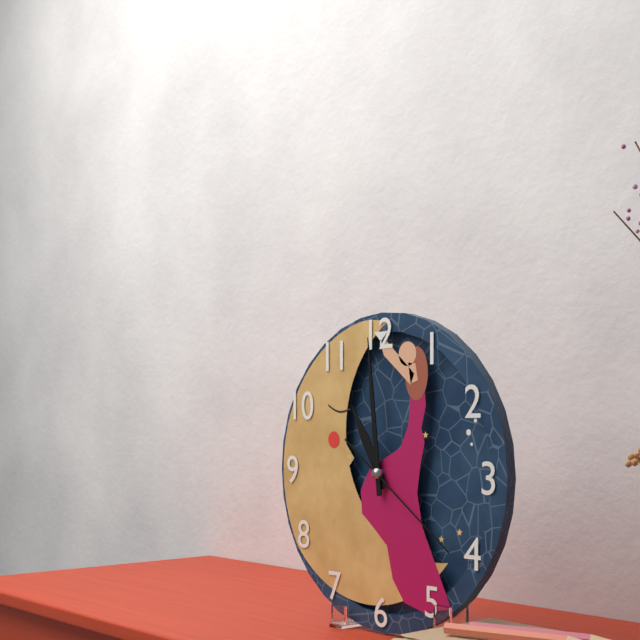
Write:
10,59,21
